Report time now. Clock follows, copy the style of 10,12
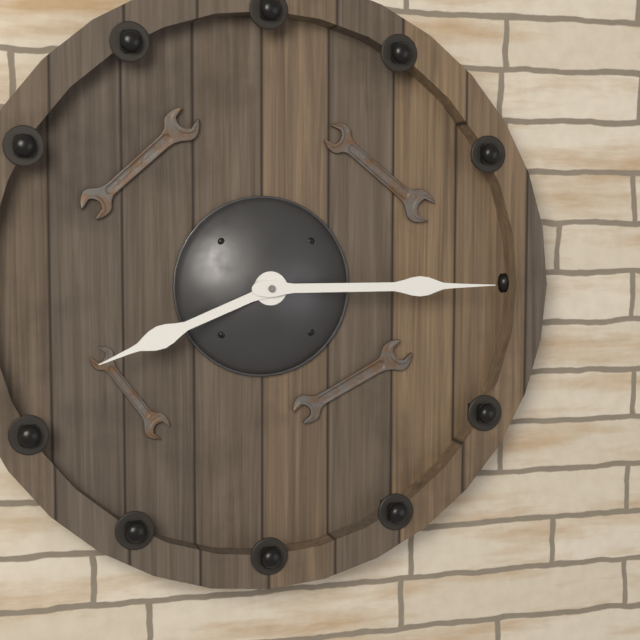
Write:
8,15
